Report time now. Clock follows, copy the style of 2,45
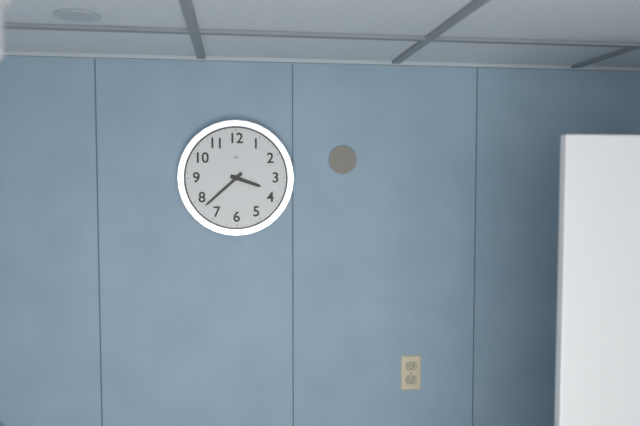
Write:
3,38
